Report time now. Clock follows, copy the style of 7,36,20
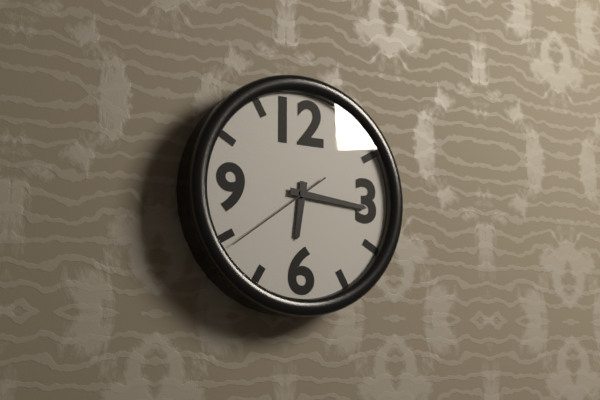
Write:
6,16,39
